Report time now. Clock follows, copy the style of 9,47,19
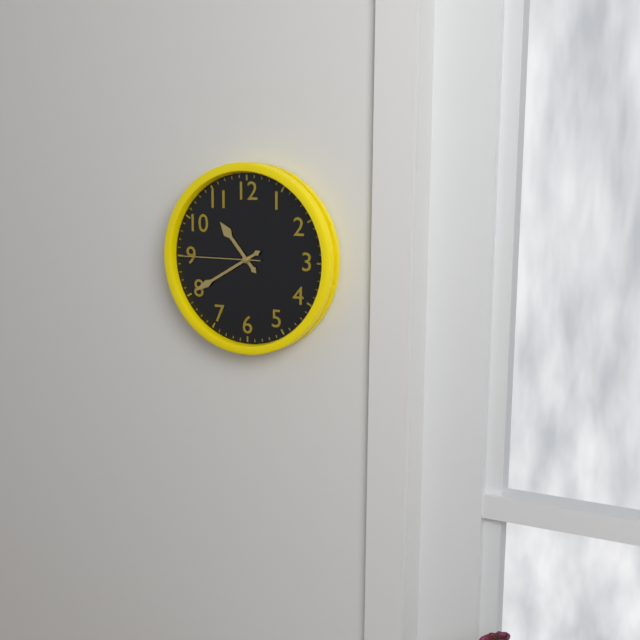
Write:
10,40,45
